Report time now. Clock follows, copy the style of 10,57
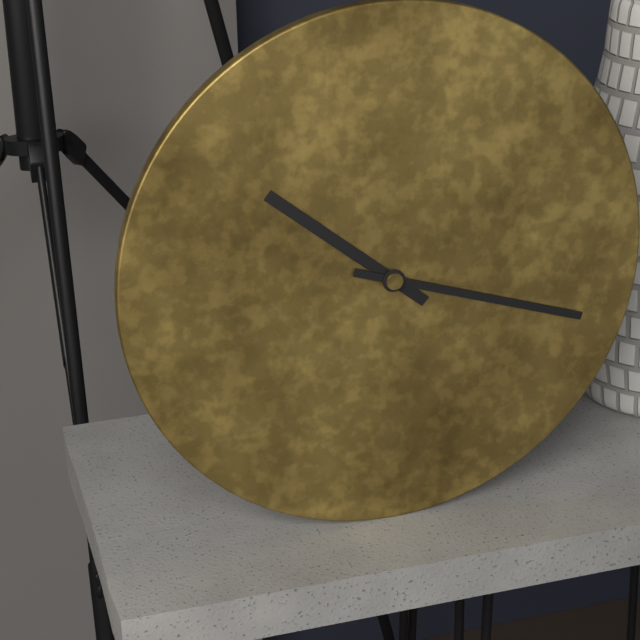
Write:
10,18
